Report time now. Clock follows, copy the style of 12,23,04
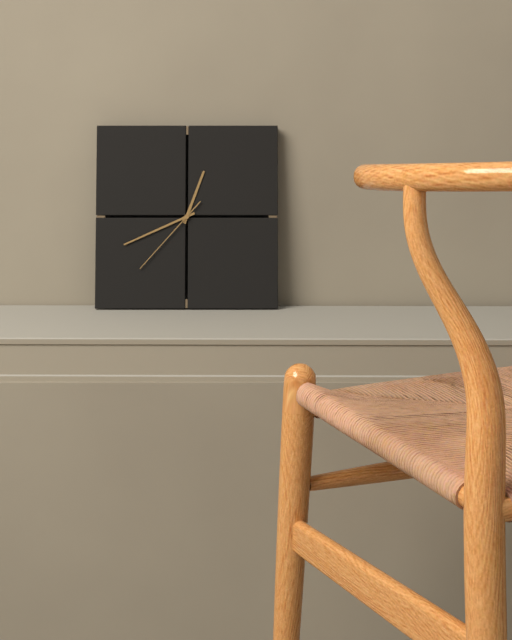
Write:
12,41,37
